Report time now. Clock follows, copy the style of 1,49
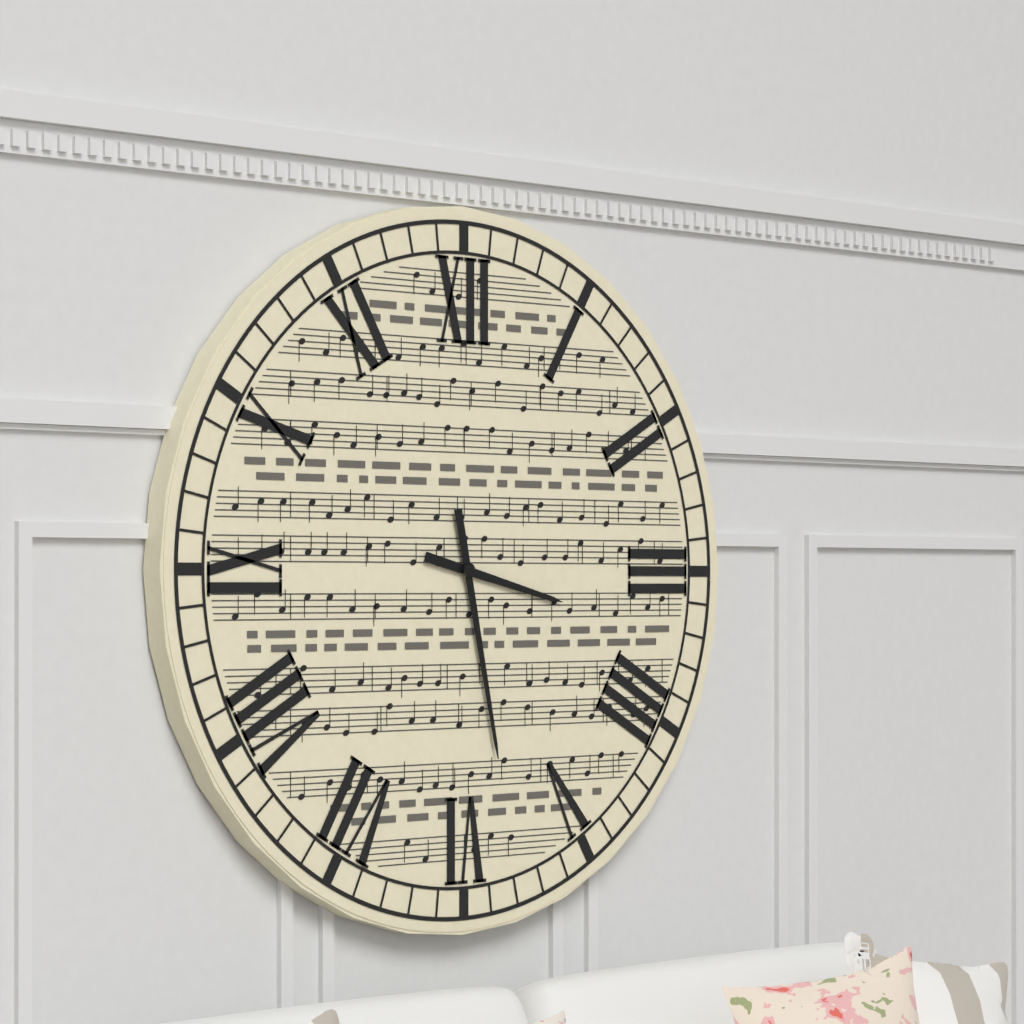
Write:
3,28
